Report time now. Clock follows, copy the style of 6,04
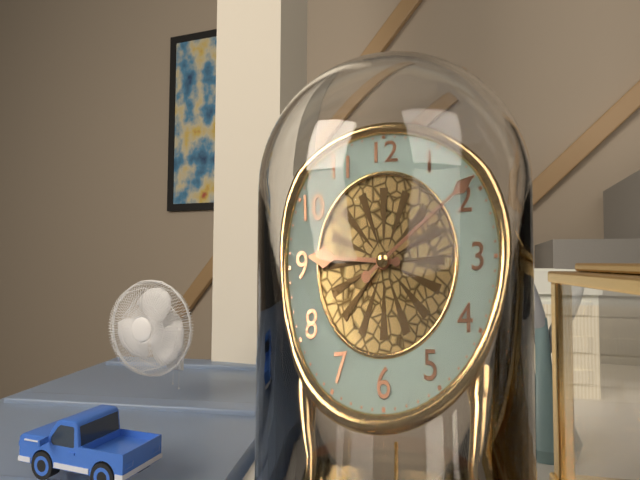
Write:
9,09
